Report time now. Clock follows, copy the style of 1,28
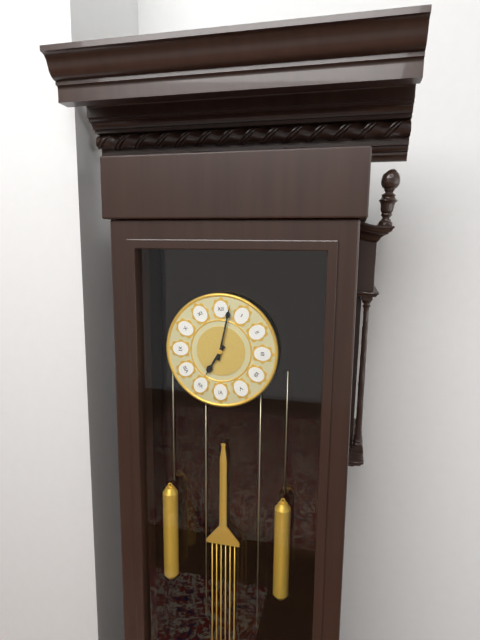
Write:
7,02
